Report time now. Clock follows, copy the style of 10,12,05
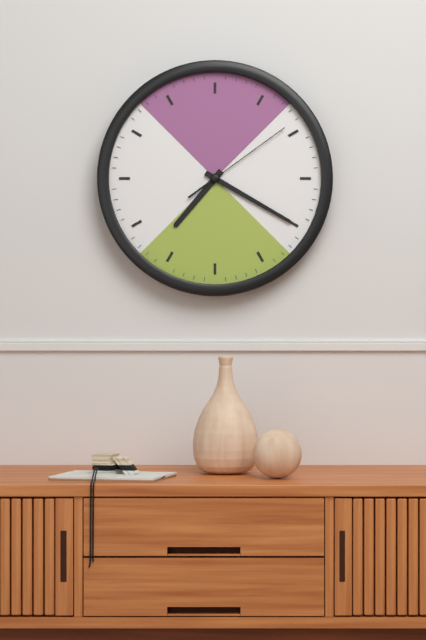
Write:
7,20,09
